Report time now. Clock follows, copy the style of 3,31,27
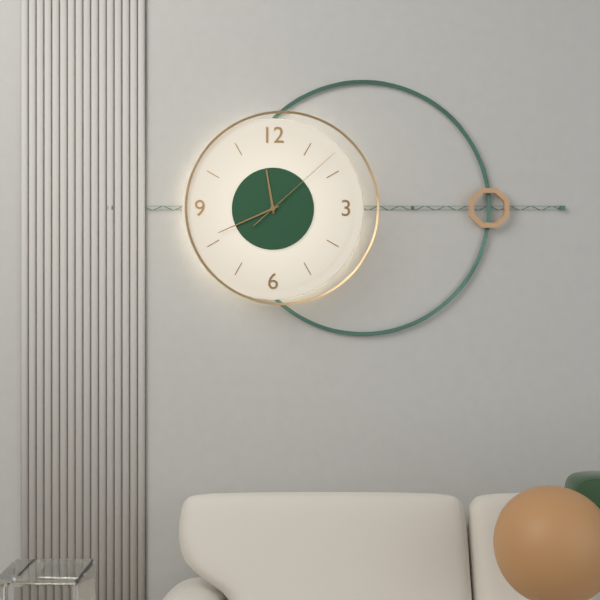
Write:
11,41,08
